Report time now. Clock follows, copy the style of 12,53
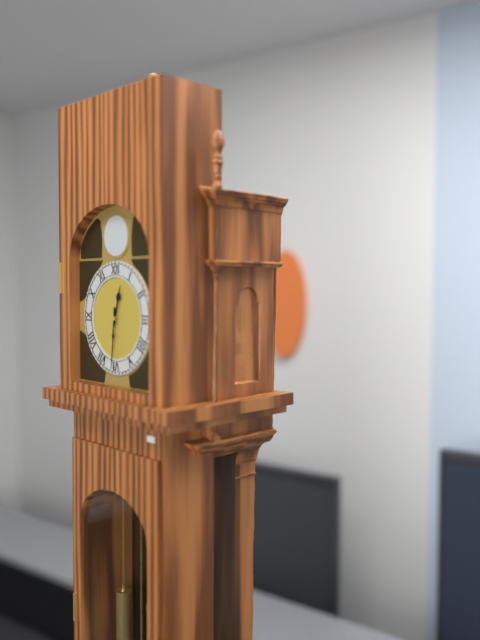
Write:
12,31
